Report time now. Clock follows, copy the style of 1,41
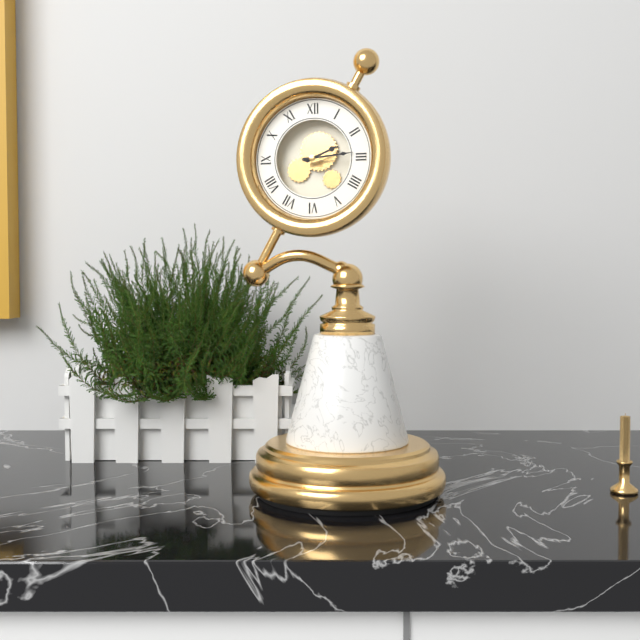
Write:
2,14
